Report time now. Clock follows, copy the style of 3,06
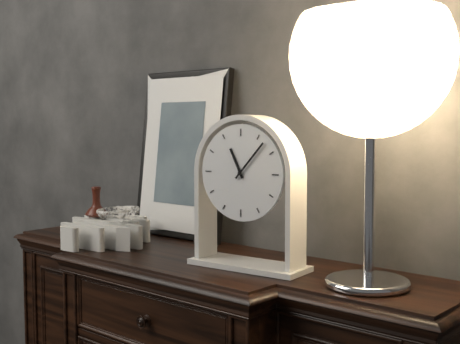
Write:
11,07
